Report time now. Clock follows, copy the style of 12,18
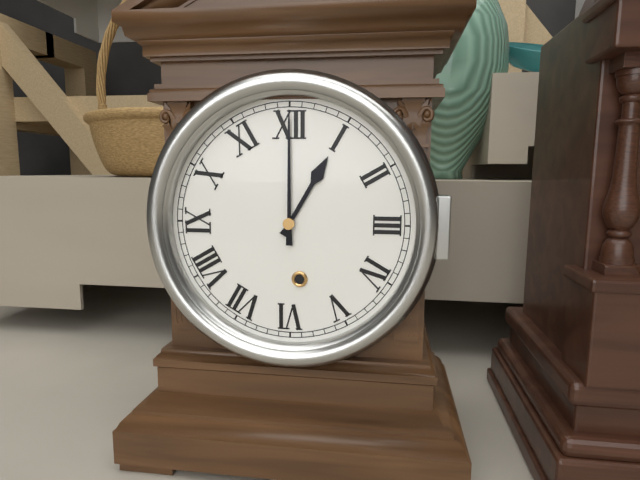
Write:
1,00
